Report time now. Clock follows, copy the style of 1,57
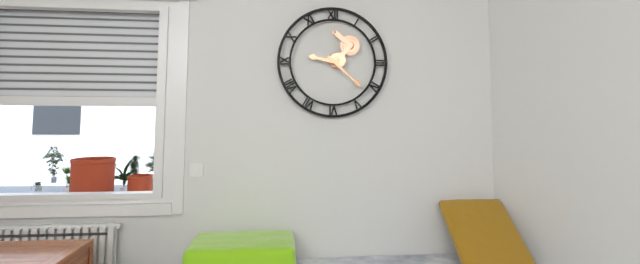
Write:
9,22
